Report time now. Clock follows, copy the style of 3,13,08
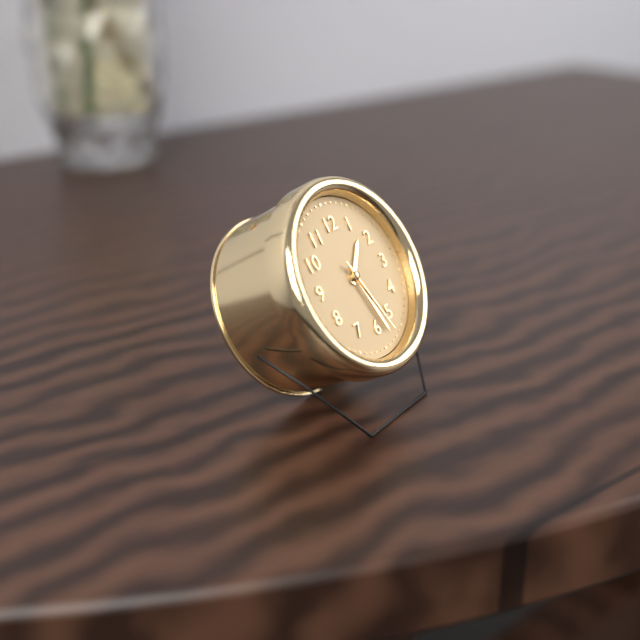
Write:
1,28,27
